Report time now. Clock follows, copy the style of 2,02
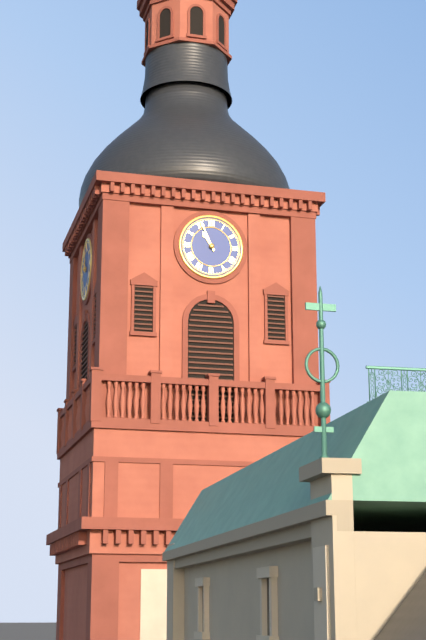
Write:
10,56
